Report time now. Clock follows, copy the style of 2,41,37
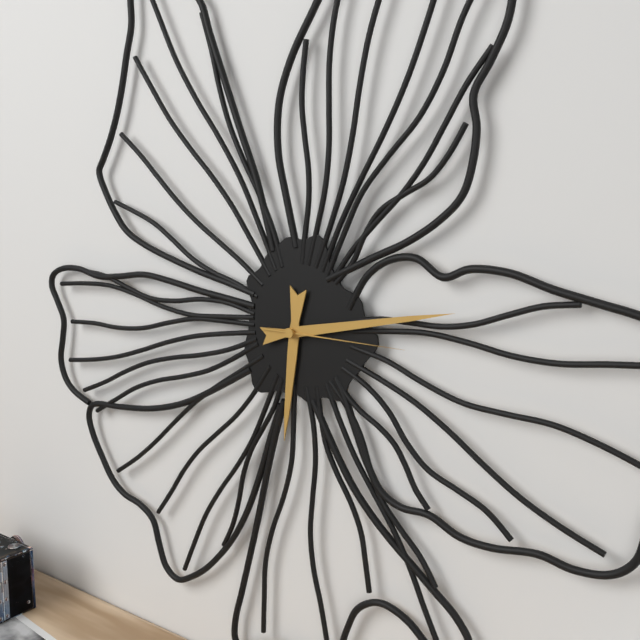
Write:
6,13,15
